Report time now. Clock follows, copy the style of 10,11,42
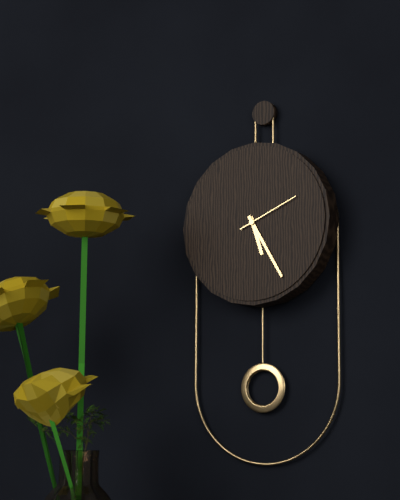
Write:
5,25,11
